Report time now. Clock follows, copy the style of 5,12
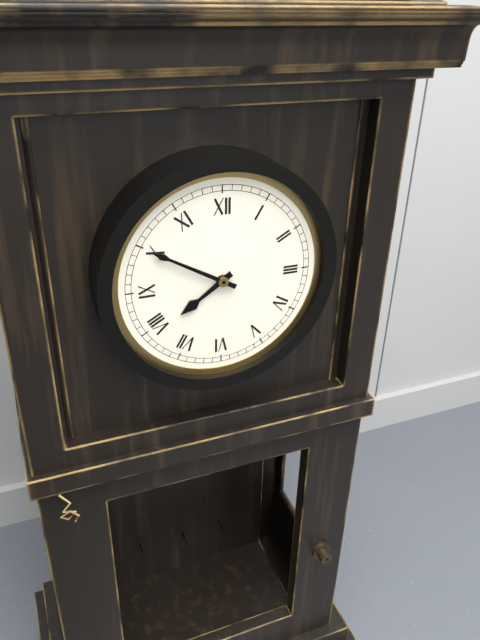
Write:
7,50
